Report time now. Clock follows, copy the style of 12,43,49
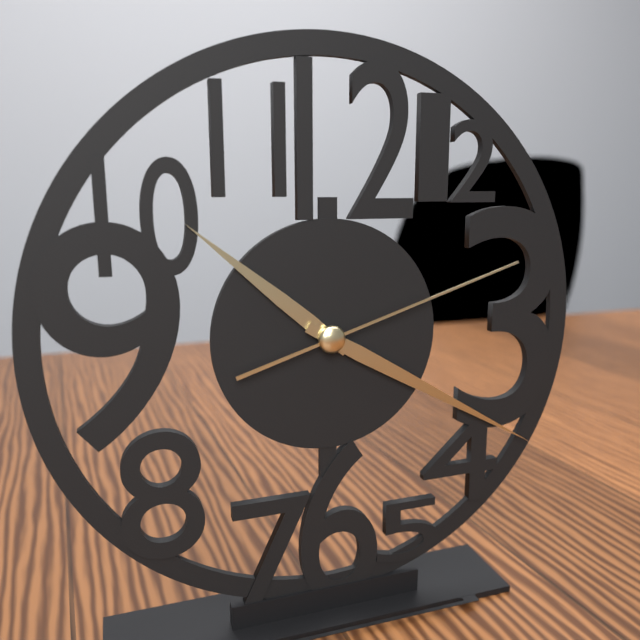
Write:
10,20,12
